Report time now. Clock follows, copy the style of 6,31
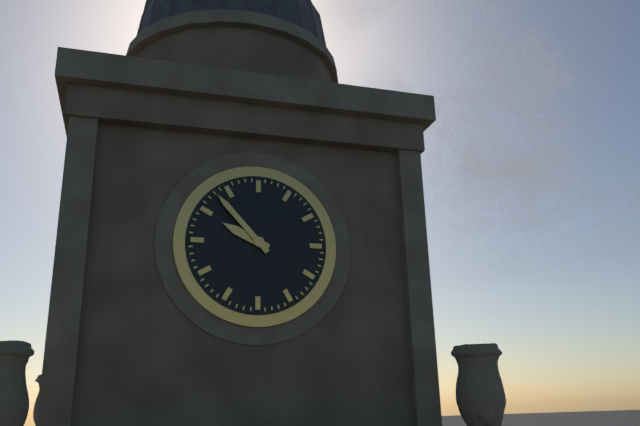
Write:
9,53
